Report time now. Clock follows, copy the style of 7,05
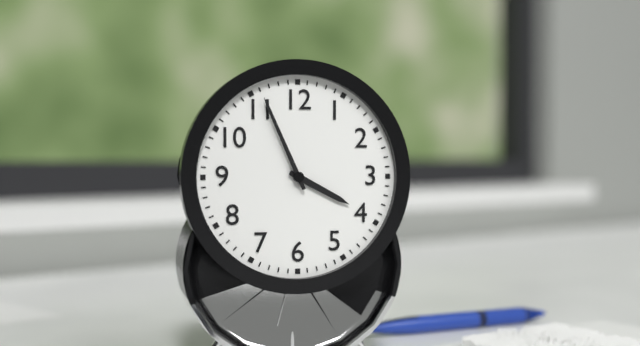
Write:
3,56
